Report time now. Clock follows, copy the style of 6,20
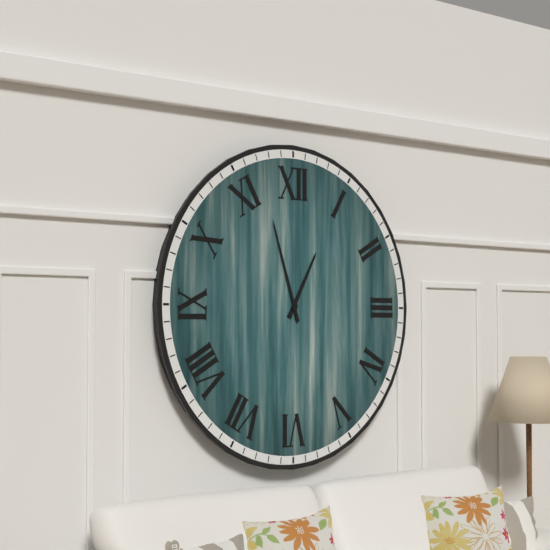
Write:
12,57
